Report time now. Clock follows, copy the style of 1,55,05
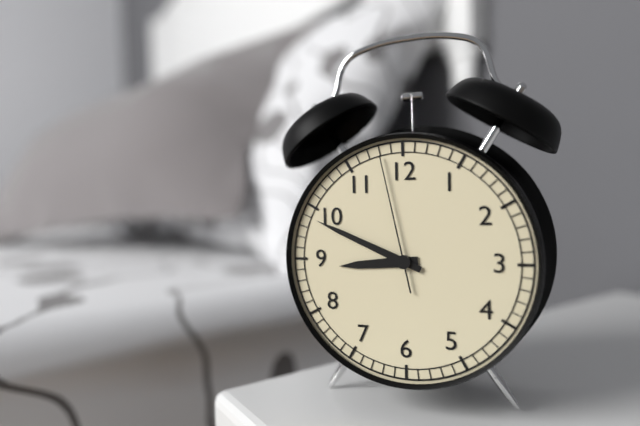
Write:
8,49,58
